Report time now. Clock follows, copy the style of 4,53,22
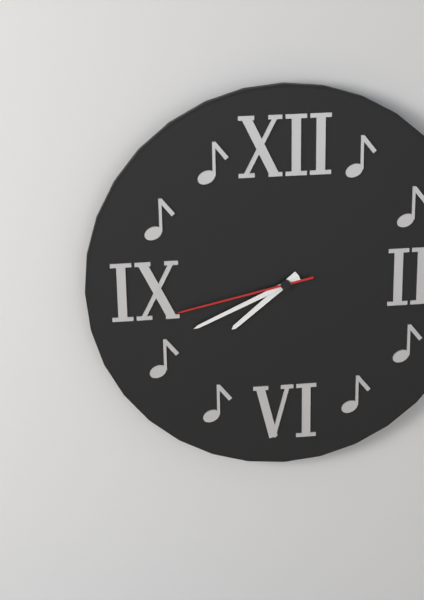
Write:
7,41,43
